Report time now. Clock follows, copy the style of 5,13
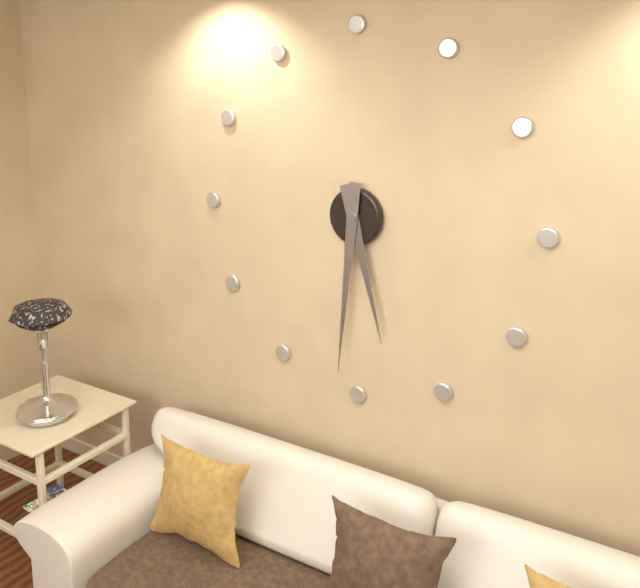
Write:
5,31
